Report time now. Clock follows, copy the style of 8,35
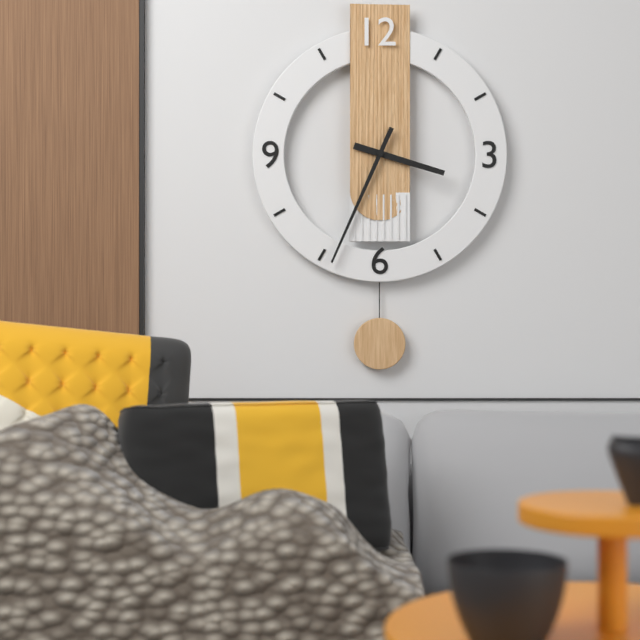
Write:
3,34
